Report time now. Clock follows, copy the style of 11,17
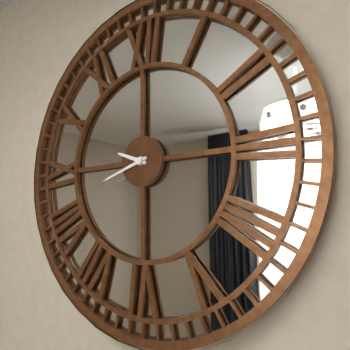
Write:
9,42
